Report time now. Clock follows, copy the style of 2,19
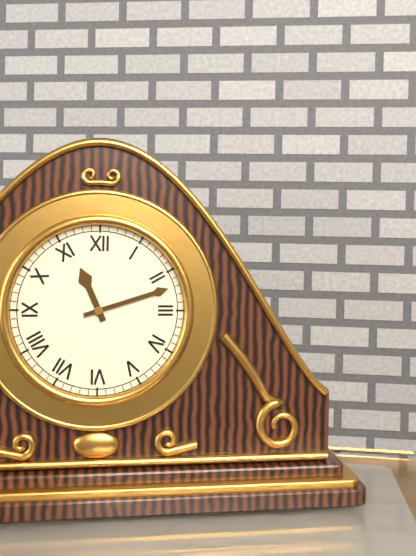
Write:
11,12
